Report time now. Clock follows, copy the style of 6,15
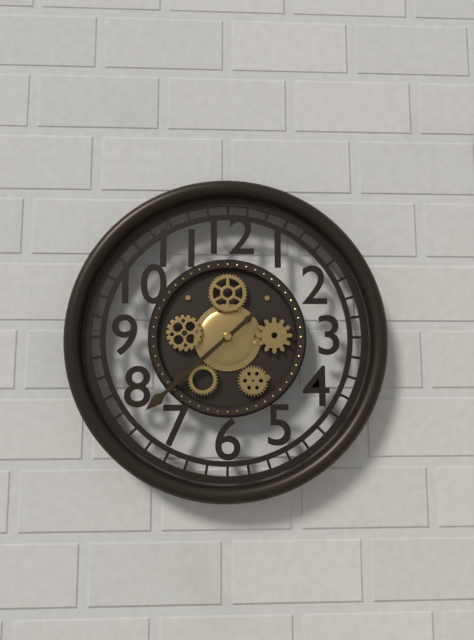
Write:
7,38
